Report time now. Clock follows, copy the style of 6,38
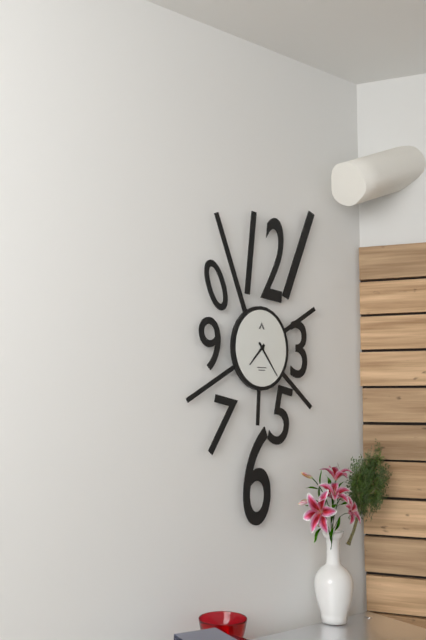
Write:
7,24
